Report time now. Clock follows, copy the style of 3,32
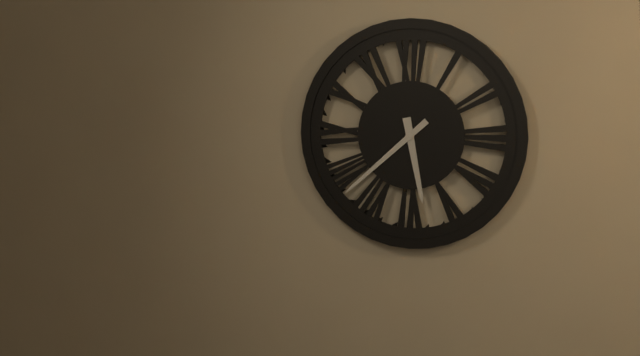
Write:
5,38
